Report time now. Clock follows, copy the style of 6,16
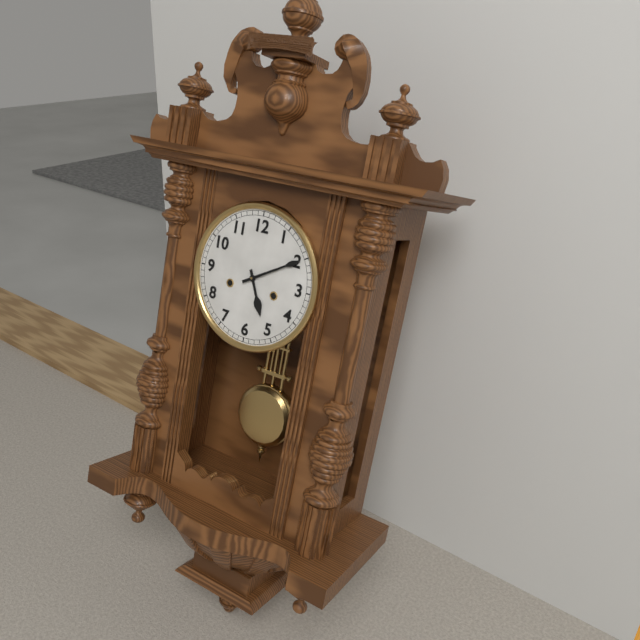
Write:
5,10
